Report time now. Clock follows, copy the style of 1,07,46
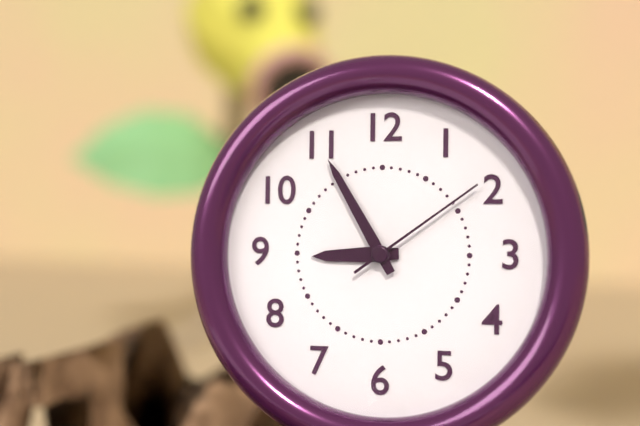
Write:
8,55,09
